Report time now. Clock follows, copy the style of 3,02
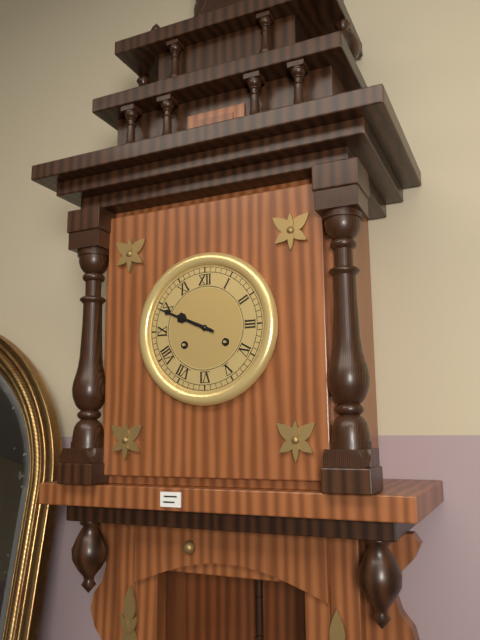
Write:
9,49
